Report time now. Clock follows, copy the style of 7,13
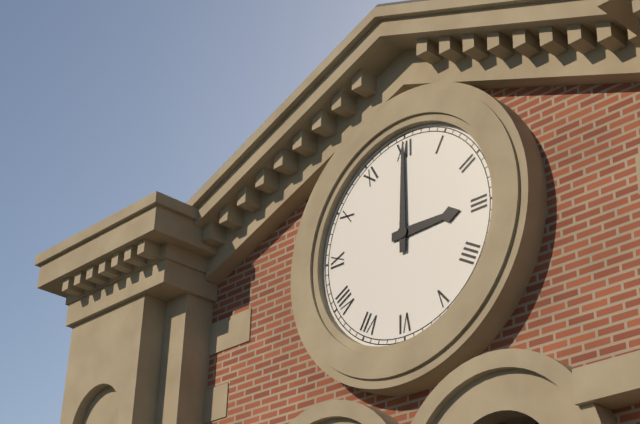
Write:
3,00
